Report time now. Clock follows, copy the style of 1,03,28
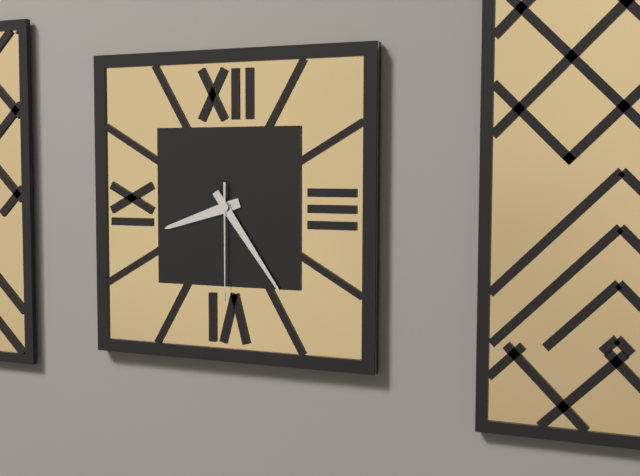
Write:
8,24,30
